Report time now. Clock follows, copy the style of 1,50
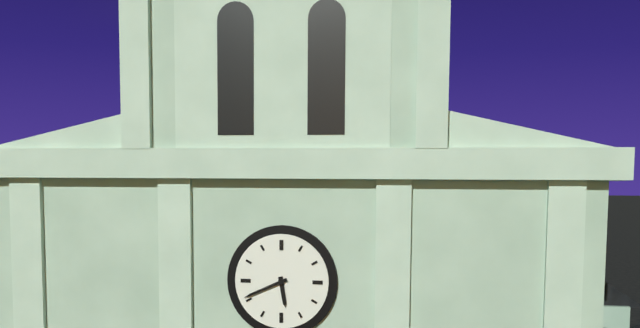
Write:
5,41
